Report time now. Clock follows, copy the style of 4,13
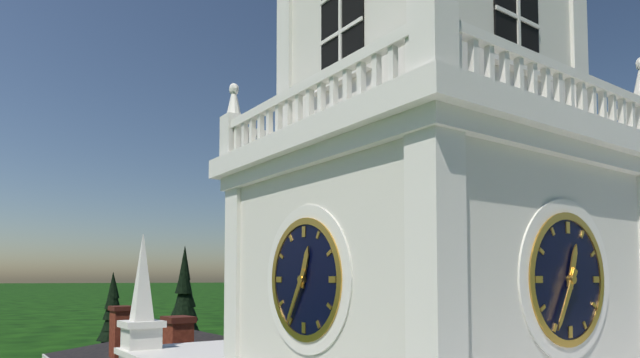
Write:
12,35
